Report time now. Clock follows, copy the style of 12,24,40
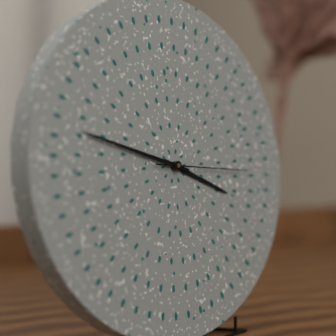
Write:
3,48,16
